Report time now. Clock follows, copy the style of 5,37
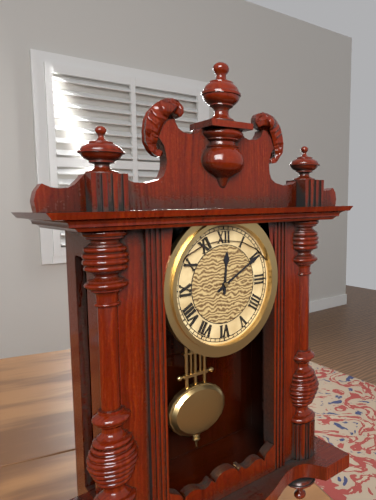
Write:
12,10
